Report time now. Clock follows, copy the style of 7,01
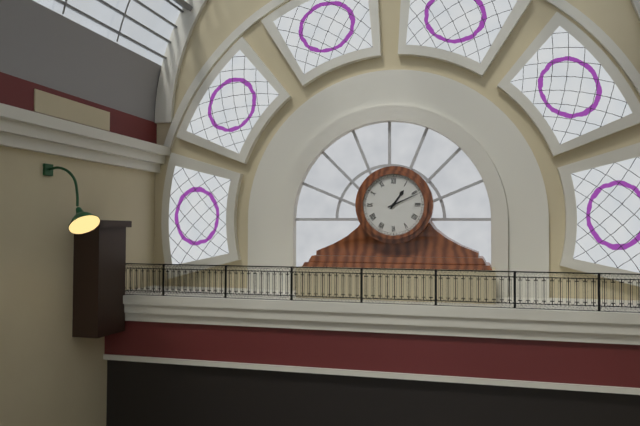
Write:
1,11
